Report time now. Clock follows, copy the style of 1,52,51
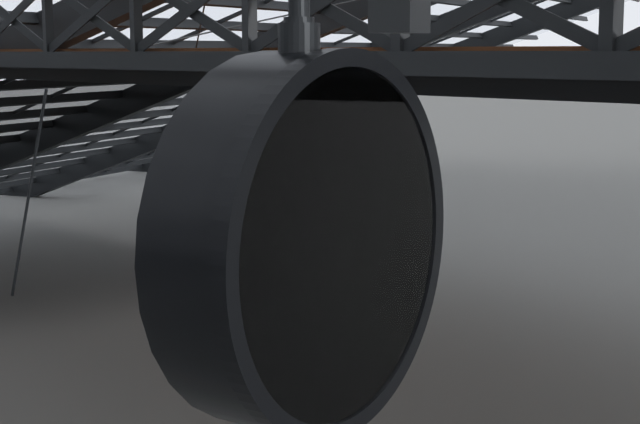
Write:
3,12,00
